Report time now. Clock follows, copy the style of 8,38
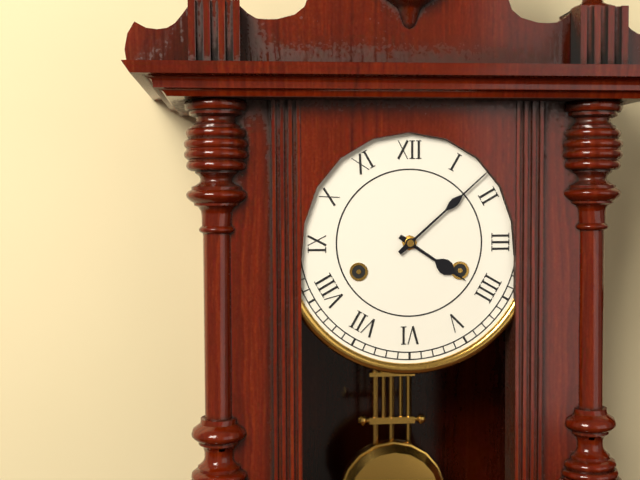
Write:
4,08
